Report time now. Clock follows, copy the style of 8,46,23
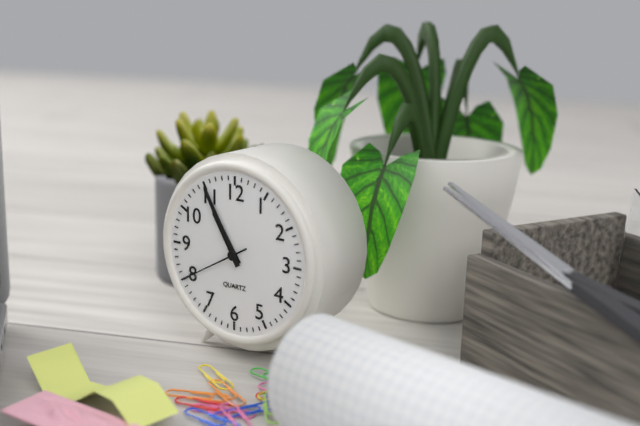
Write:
10,55,40
